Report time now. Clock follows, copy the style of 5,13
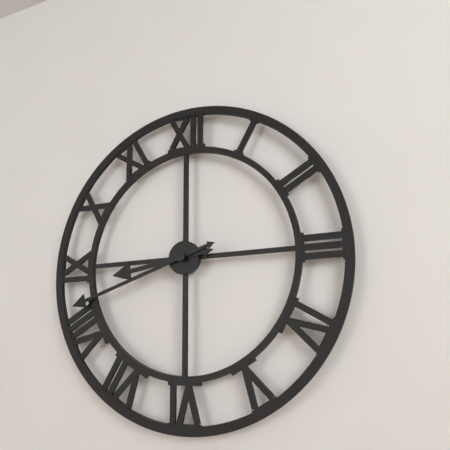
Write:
8,42
